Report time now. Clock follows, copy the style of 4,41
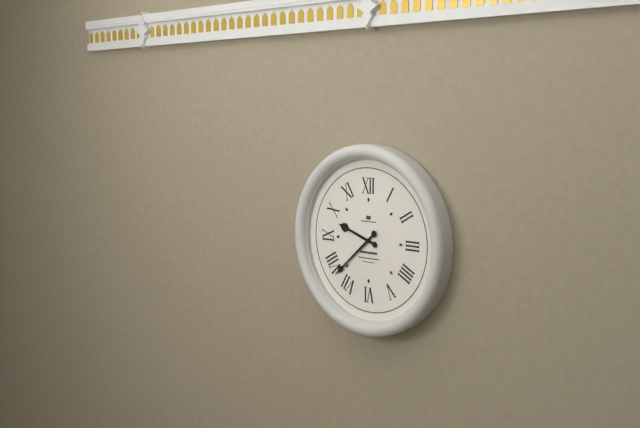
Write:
9,38
